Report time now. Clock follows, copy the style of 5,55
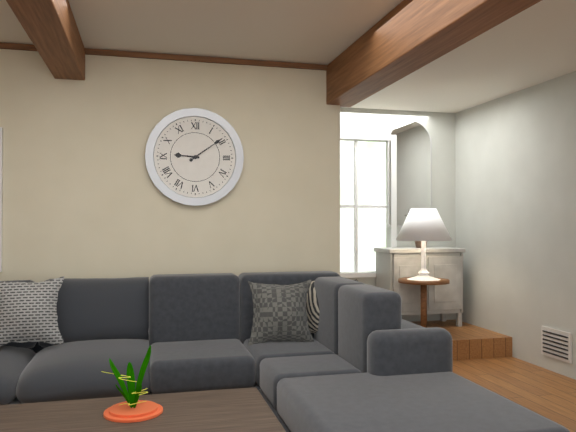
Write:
9,09
